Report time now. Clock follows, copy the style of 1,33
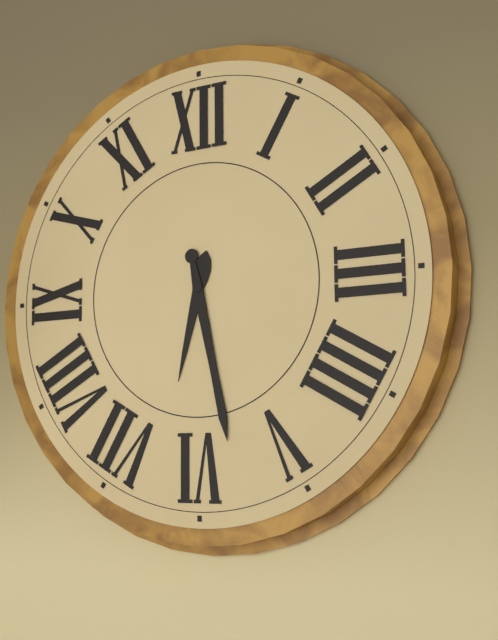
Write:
6,28
